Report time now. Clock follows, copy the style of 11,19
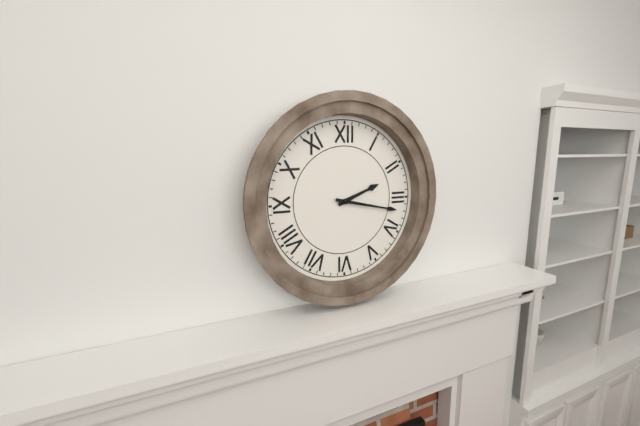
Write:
2,17
